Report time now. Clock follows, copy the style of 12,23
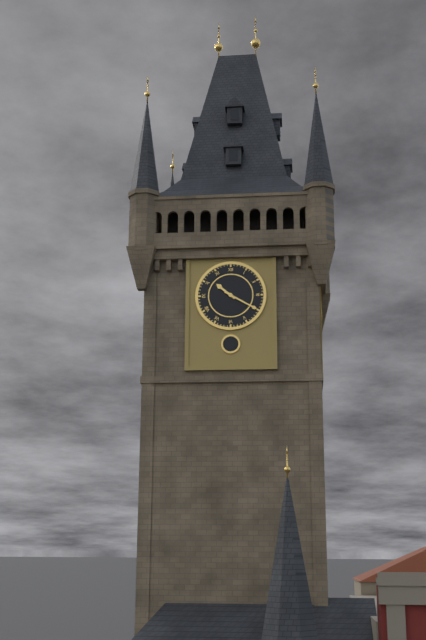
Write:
10,20
